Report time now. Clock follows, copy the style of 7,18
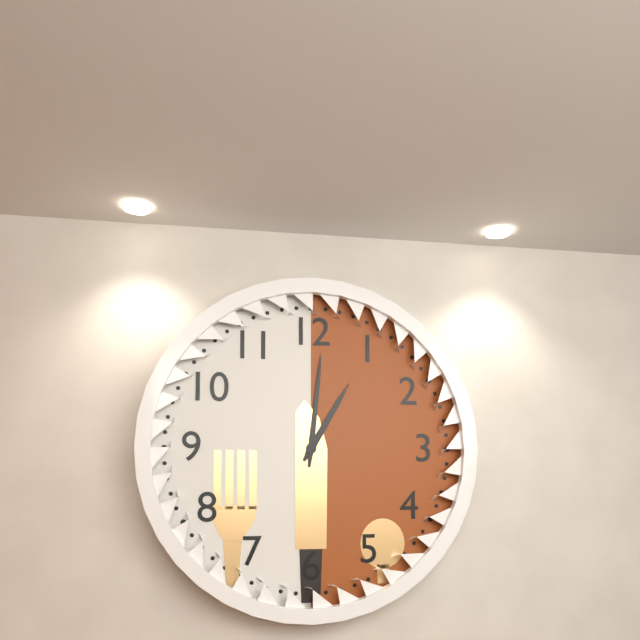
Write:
1,01
